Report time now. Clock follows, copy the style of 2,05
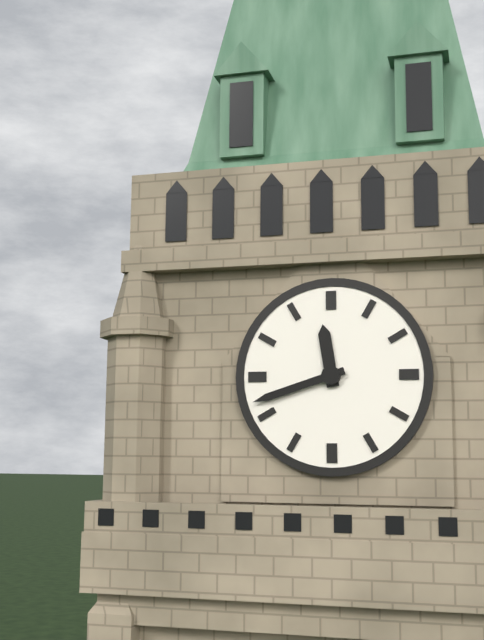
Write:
11,42
